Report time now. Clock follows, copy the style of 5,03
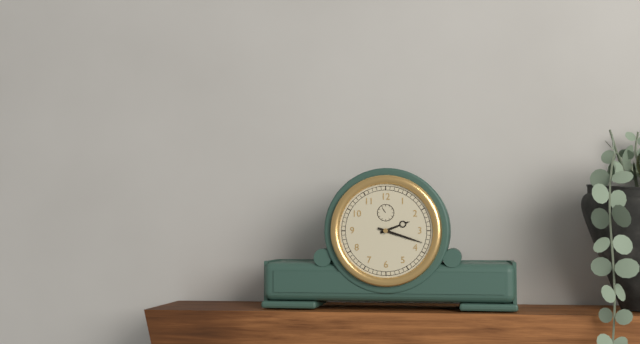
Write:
2,18
